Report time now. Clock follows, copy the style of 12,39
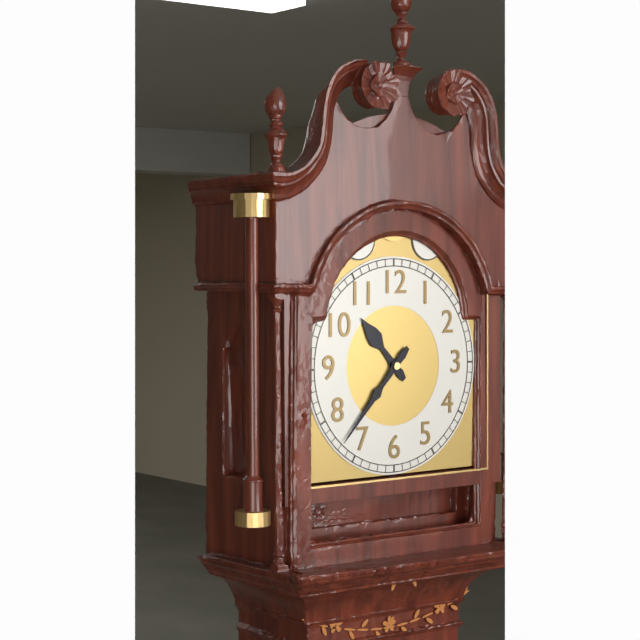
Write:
10,37
